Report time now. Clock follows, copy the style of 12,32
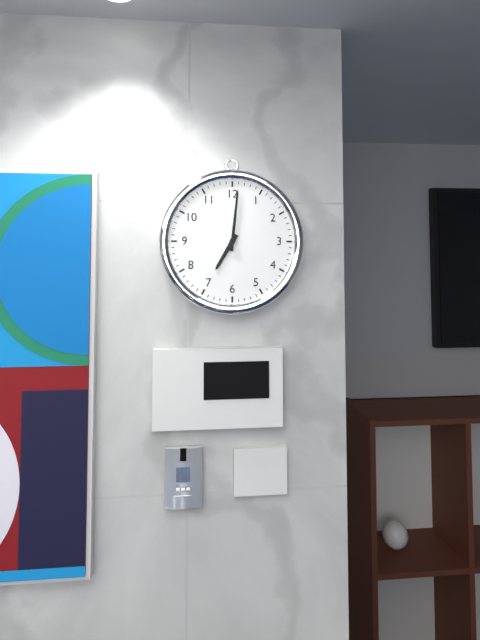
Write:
7,01
